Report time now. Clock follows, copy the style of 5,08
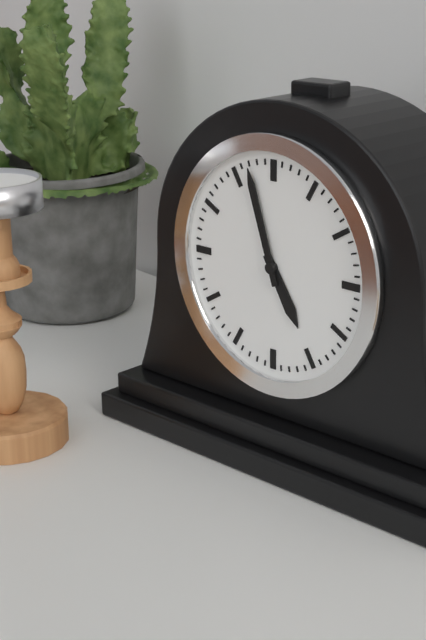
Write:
4,57
